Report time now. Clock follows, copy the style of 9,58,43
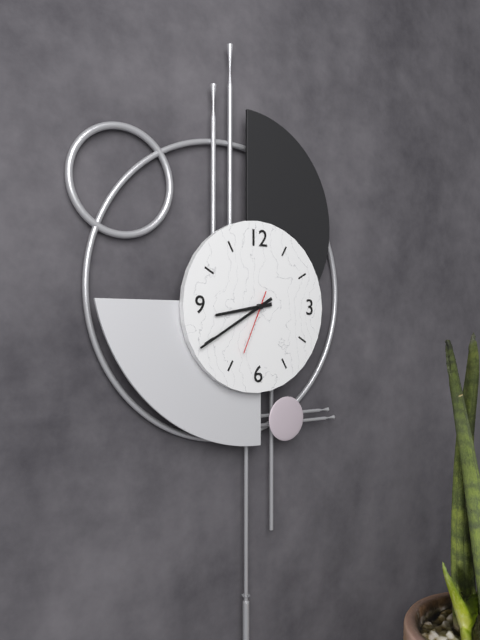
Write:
8,40,34
